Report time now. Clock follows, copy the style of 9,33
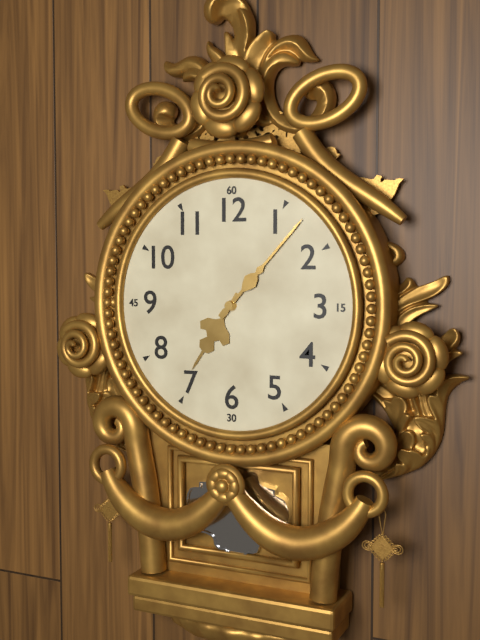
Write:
7,07
